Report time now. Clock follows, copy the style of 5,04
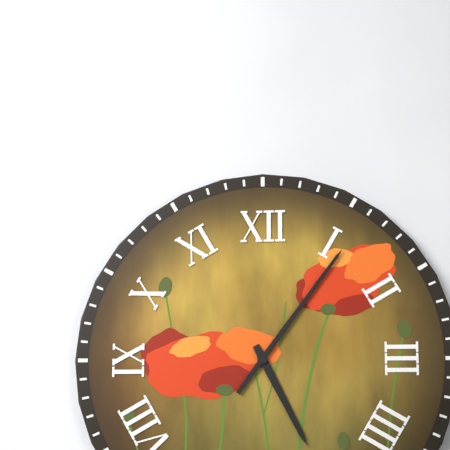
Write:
5,06
